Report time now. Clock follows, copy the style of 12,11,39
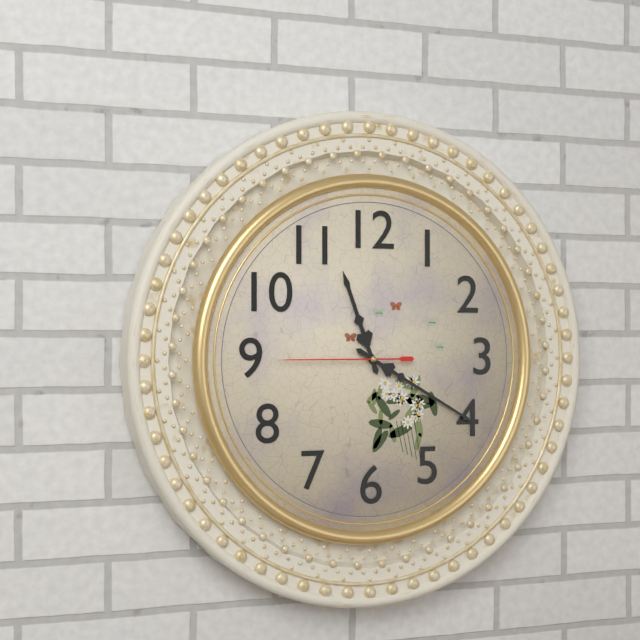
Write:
11,20,45
